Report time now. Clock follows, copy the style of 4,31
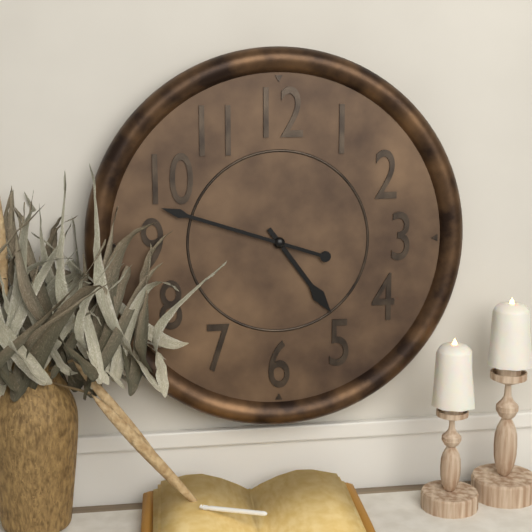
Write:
4,48
